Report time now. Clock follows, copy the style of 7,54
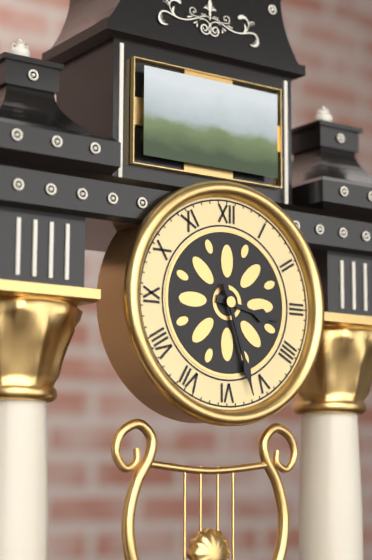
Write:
3,27
